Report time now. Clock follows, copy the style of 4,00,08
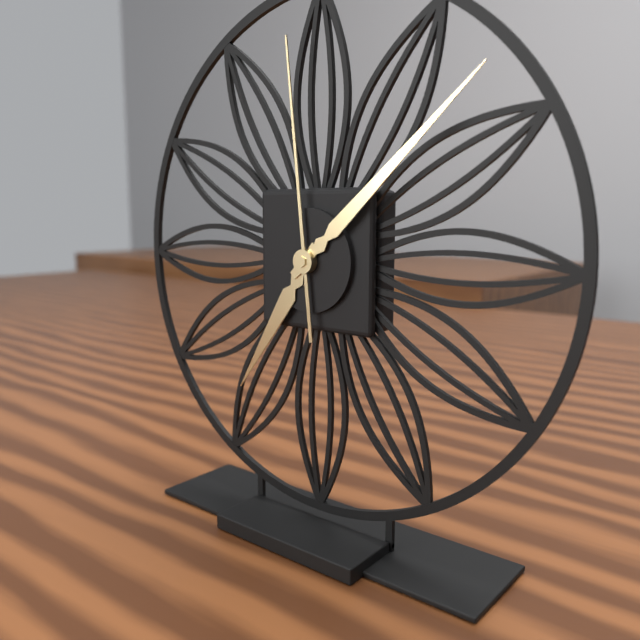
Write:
7,08,59
